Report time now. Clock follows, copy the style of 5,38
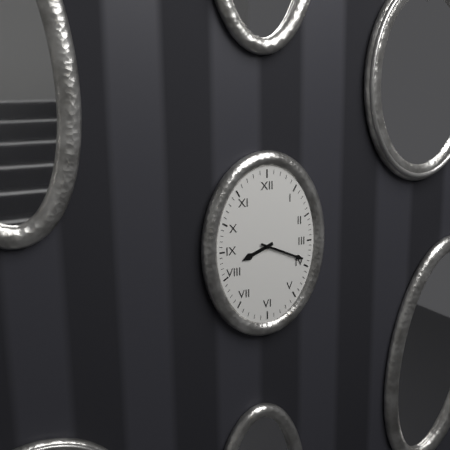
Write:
8,19
